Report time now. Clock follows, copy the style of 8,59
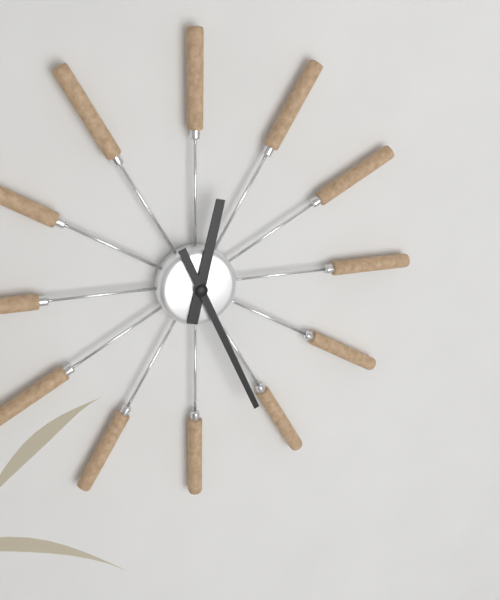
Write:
12,26
